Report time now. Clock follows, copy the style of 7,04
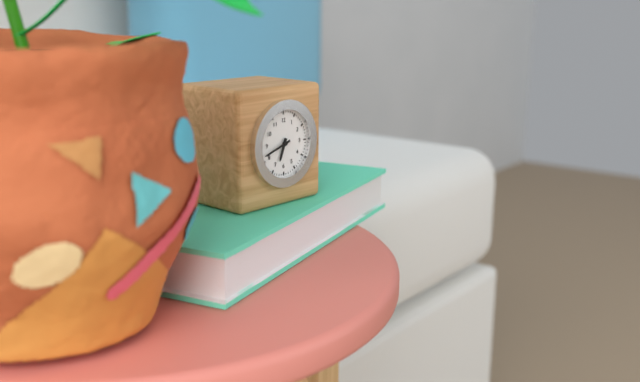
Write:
6,42
